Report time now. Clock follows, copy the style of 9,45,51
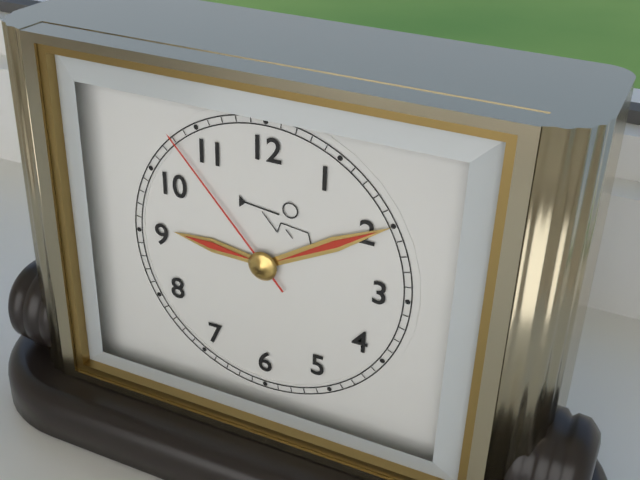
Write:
9,10,53
